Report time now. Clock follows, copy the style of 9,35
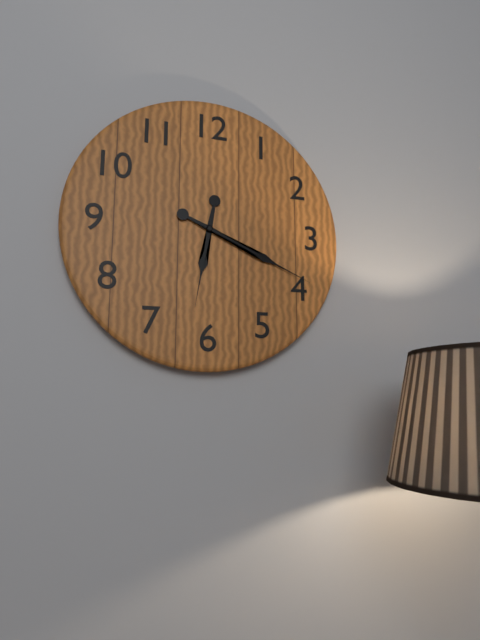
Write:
6,19
